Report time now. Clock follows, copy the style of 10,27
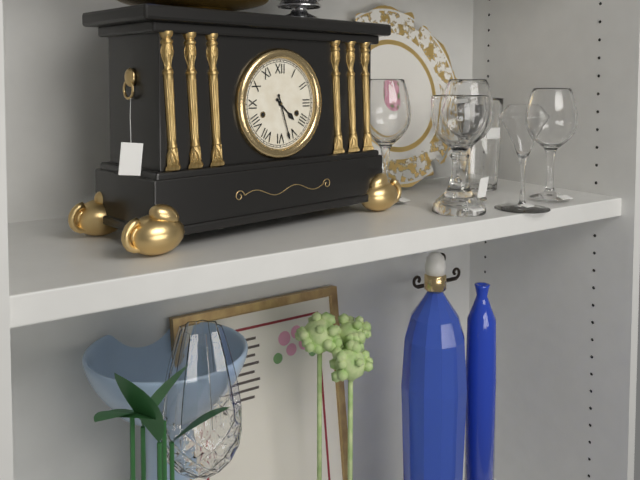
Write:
4,27
